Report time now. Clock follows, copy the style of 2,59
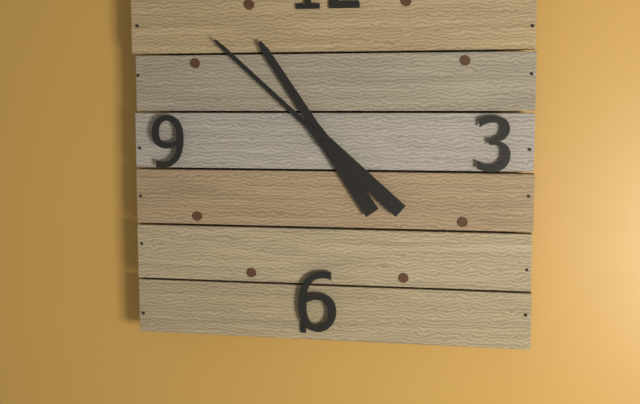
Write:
10,52
